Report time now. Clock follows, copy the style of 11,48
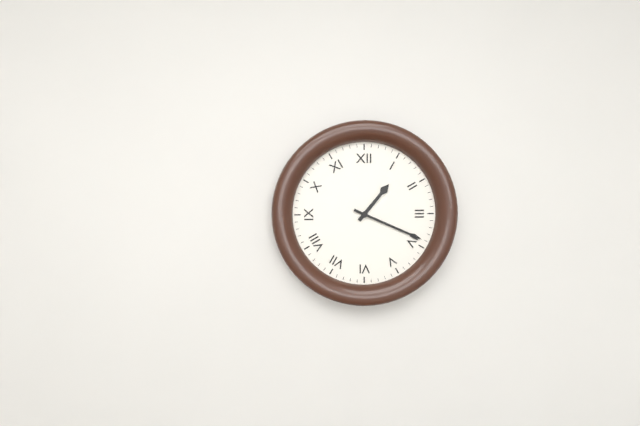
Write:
1,19
